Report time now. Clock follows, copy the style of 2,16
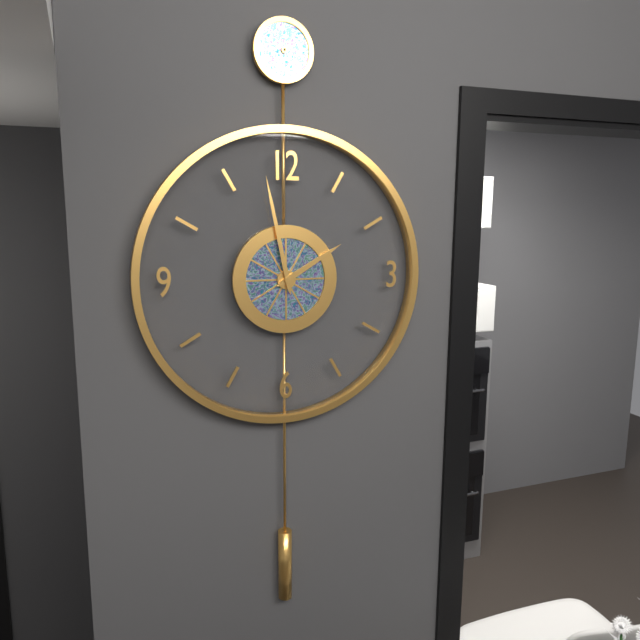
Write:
1,58
